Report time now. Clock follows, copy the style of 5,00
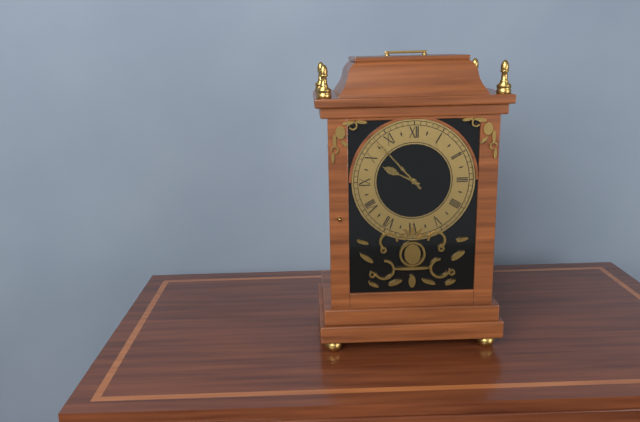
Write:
9,53
